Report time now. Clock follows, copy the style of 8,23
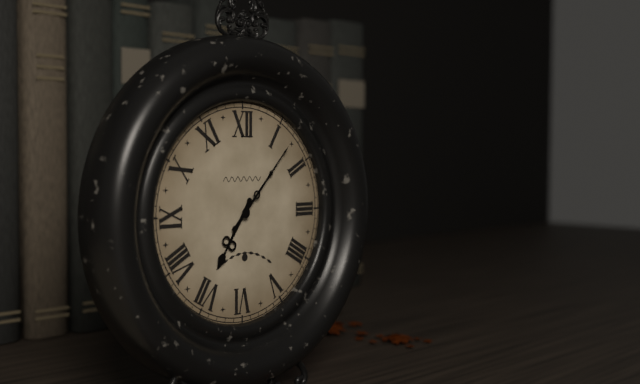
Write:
7,07
